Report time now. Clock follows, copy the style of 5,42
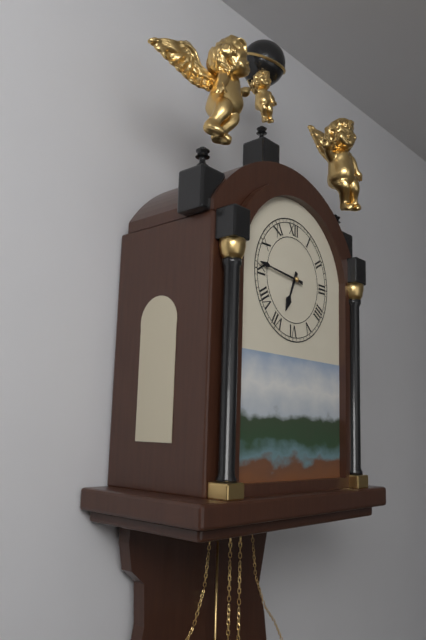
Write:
6,46
